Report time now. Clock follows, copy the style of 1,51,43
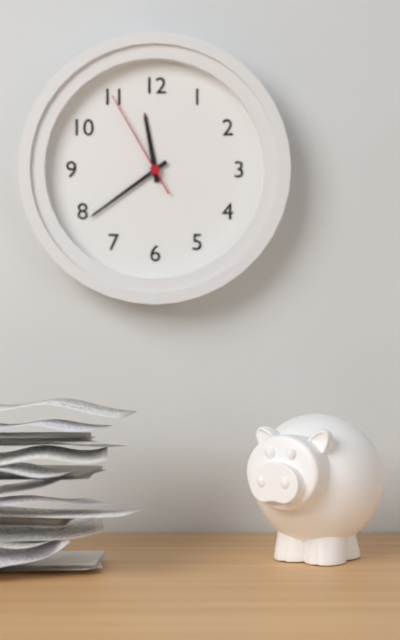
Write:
11,39,55
